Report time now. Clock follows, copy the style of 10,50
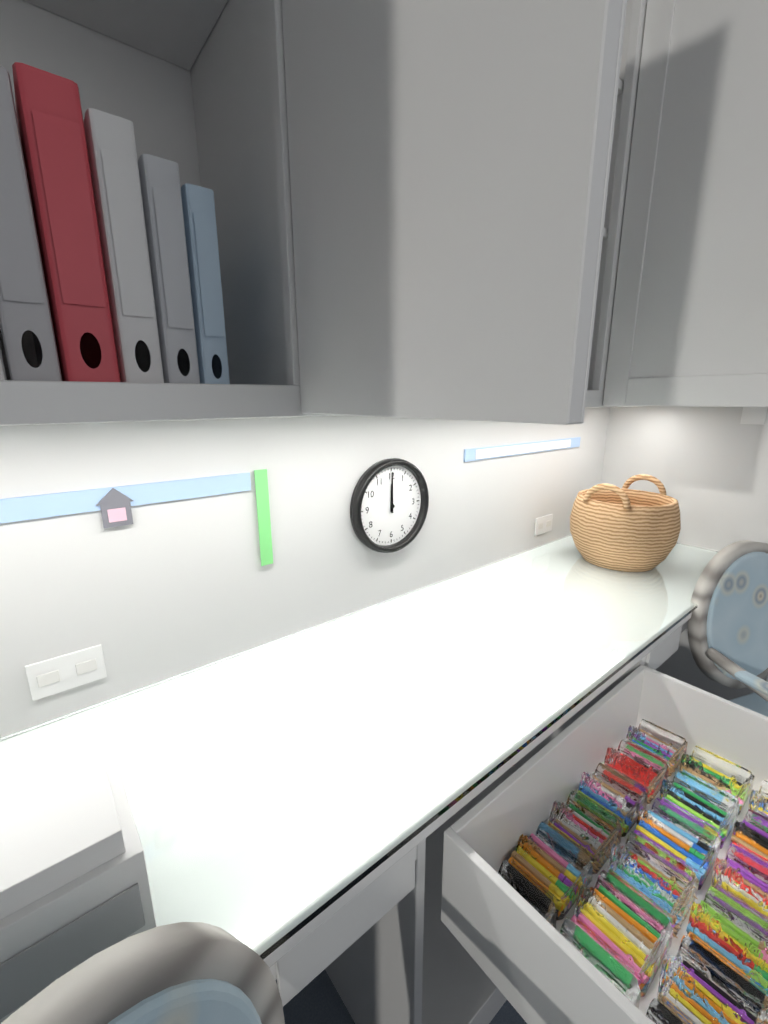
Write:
12,00
